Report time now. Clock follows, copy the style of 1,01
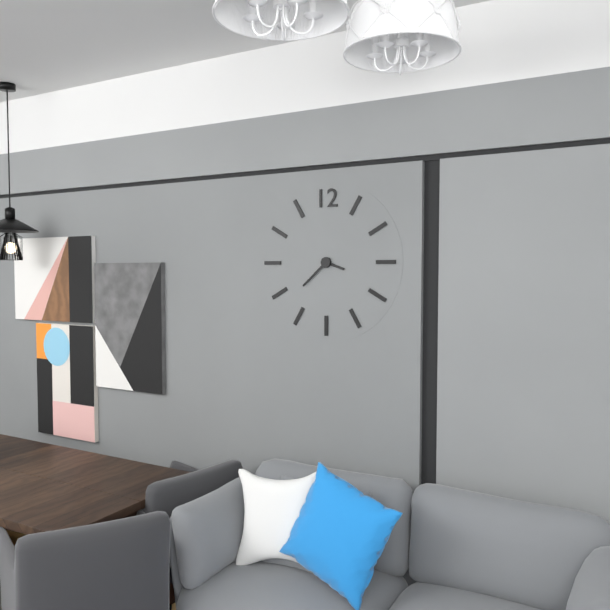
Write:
3,38
